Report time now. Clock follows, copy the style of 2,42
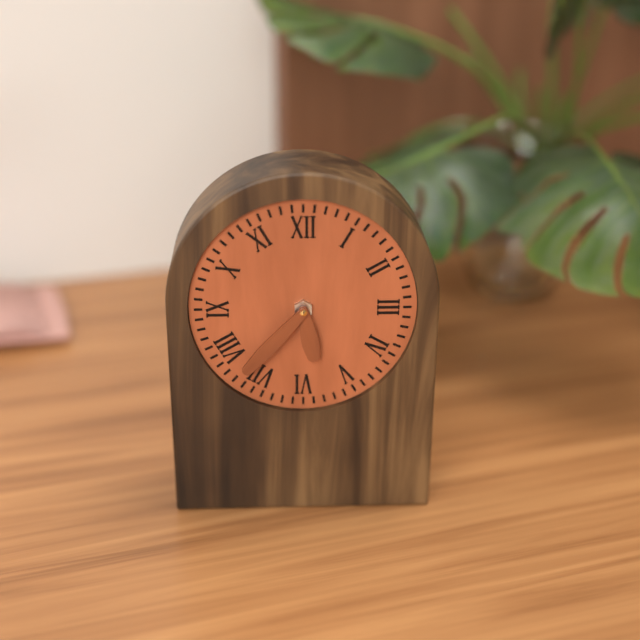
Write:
5,37
